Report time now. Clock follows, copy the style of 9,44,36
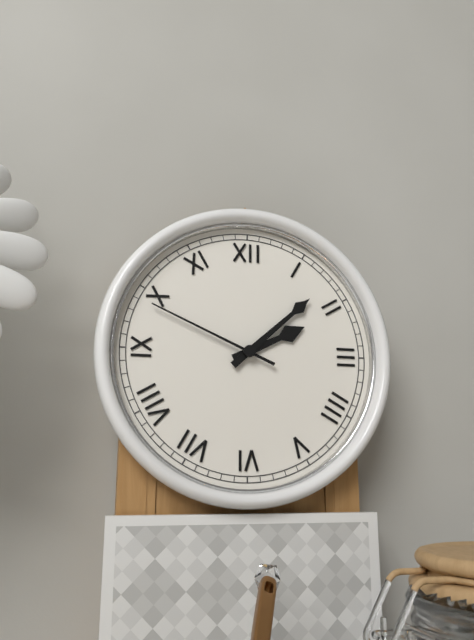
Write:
2,08,49
